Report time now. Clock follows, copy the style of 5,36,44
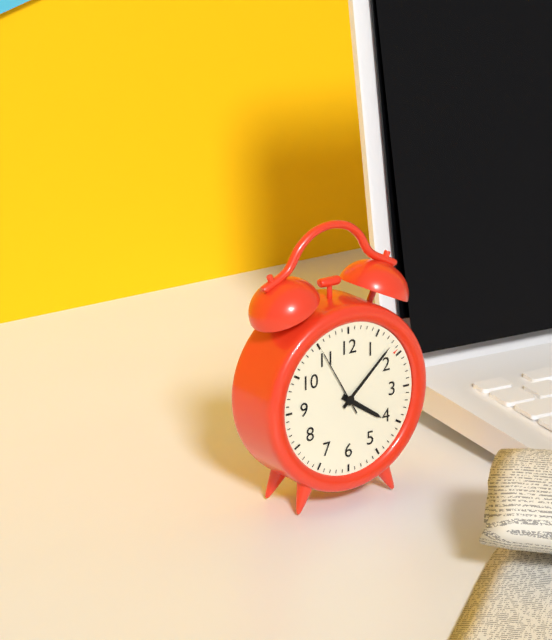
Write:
4,08,55
